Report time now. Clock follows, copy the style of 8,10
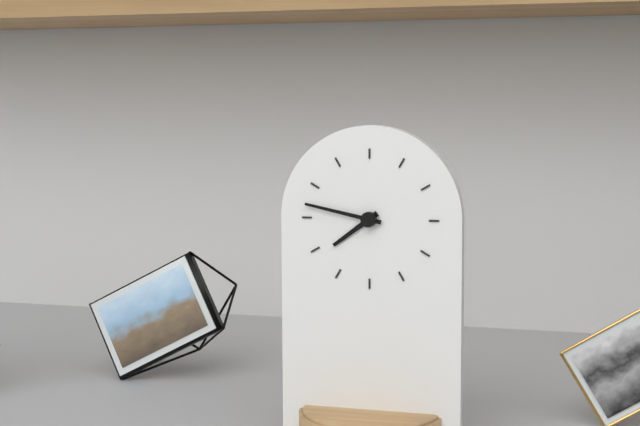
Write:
7,47
